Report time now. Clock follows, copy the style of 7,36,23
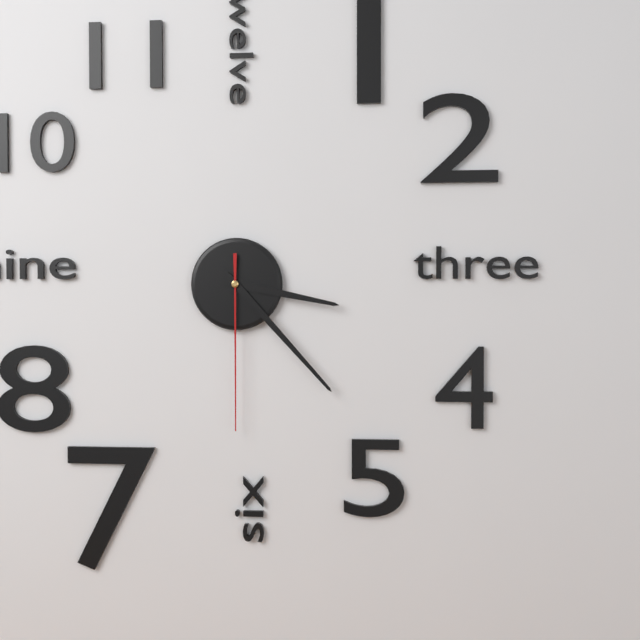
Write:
3,23,30
